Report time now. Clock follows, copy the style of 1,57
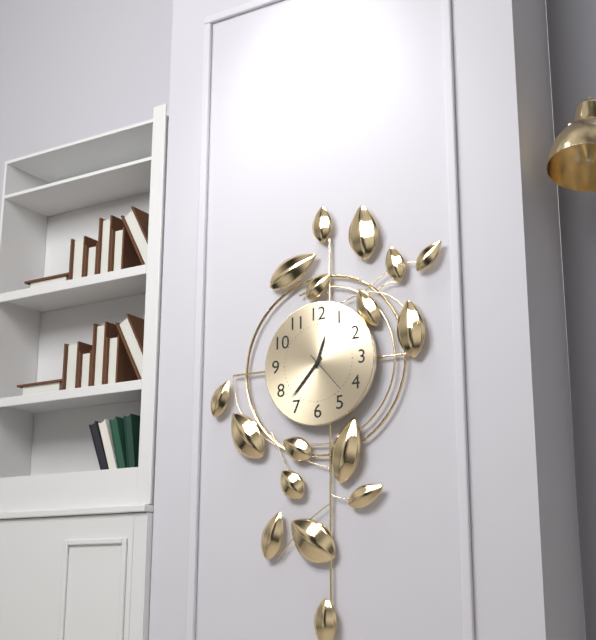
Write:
12,37
